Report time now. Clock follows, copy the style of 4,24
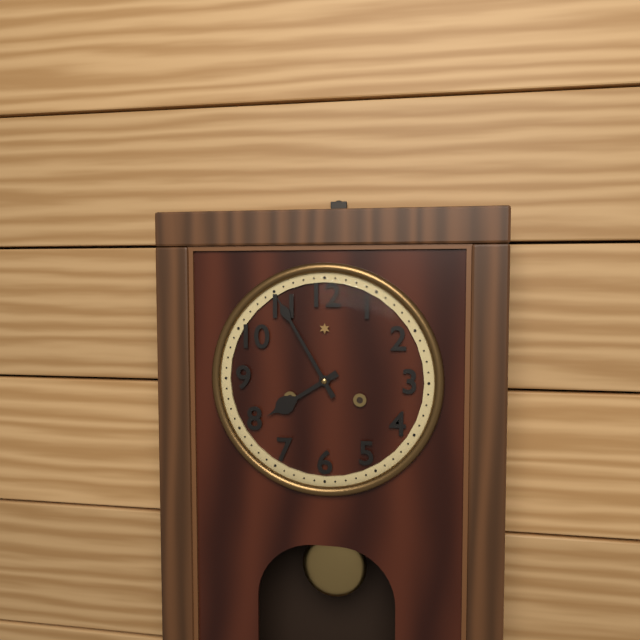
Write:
7,55
